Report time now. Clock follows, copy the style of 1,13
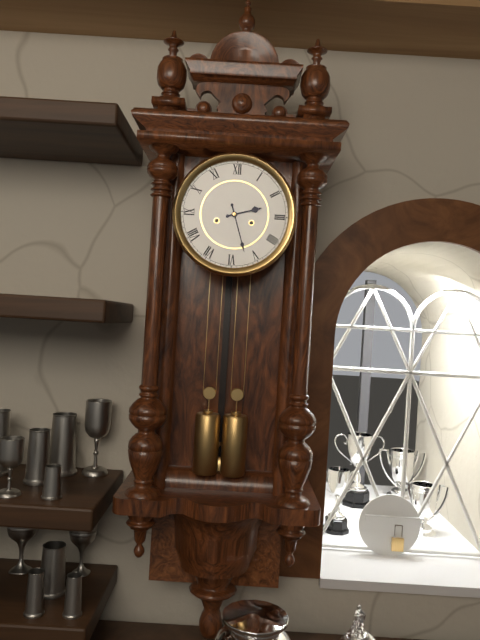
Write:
2,27
